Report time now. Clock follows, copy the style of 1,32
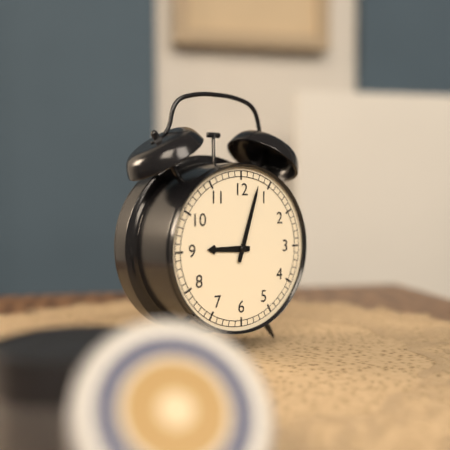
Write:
9,03
